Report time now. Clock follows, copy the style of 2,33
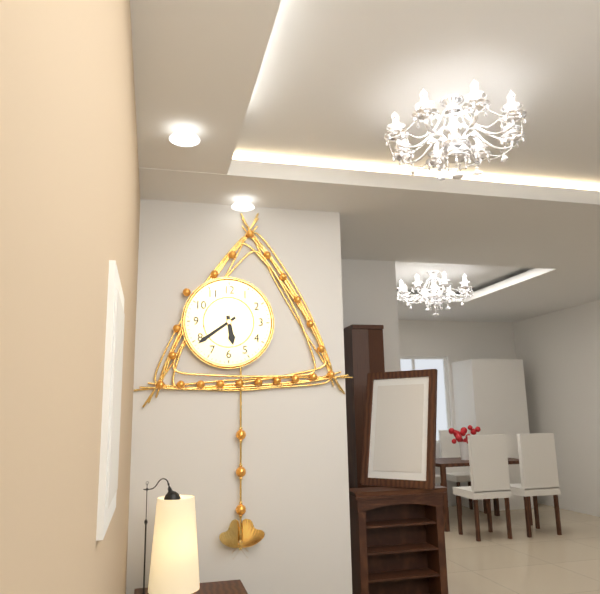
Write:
5,39
